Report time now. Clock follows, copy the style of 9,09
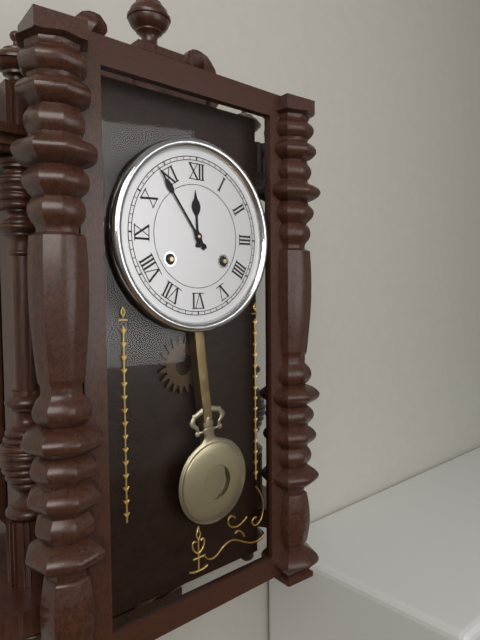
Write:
11,54
